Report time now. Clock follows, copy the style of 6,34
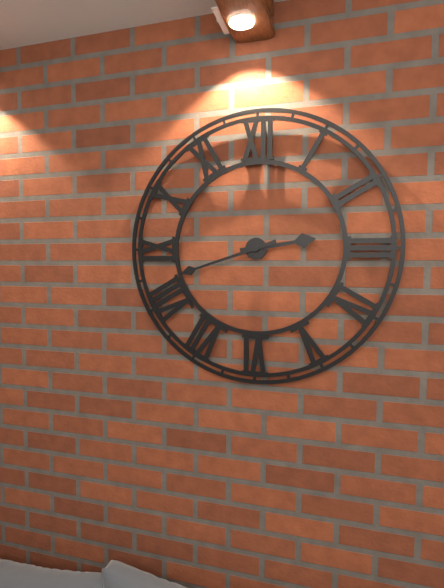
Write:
2,42
